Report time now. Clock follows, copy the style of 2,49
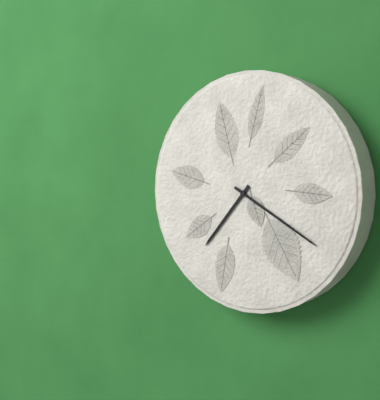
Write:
7,20
